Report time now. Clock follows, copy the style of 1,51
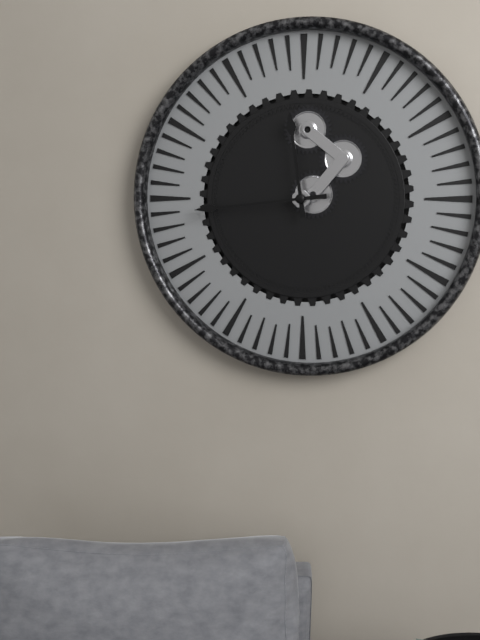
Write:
11,44
